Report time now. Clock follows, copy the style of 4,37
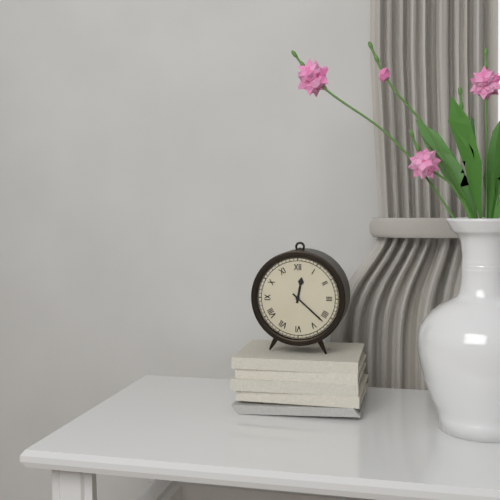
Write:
12,22
